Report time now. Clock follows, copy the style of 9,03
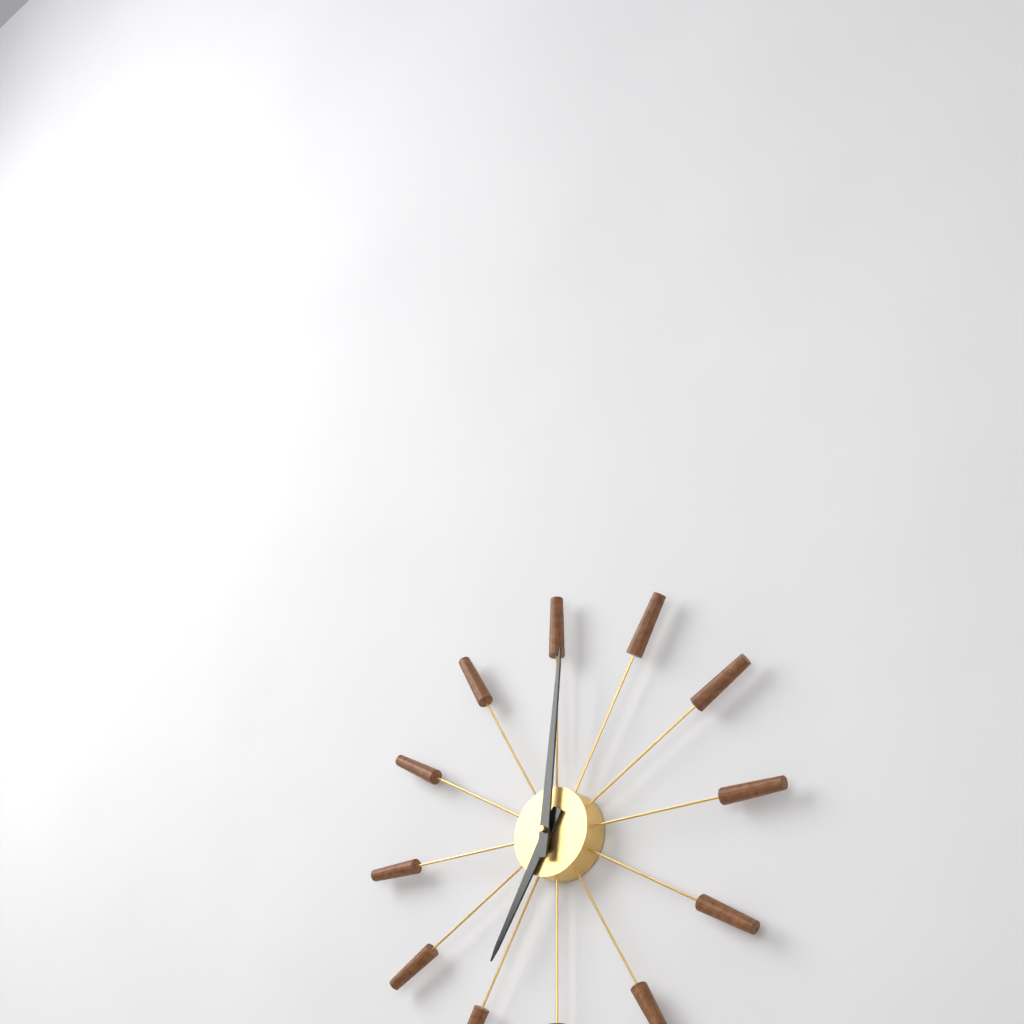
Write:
7,01
